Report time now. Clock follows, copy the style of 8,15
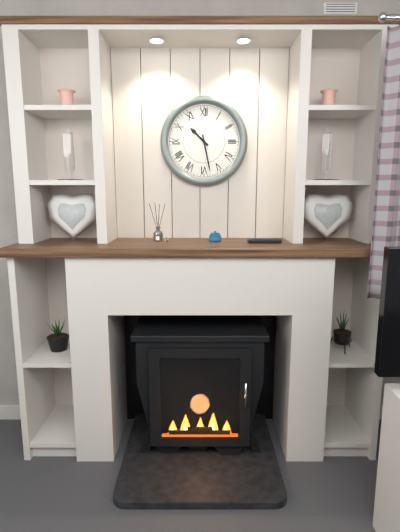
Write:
10,28
